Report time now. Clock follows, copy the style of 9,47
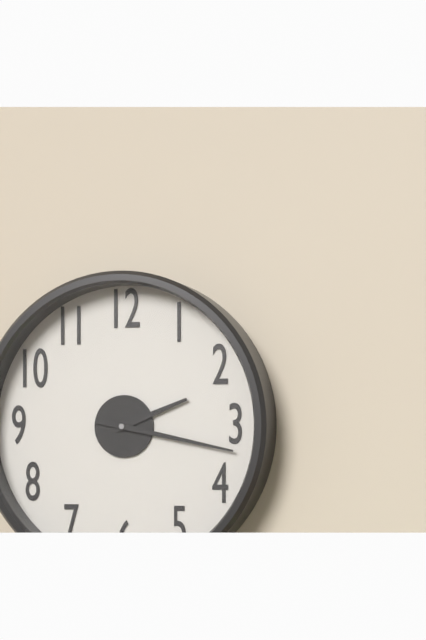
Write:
2,17
